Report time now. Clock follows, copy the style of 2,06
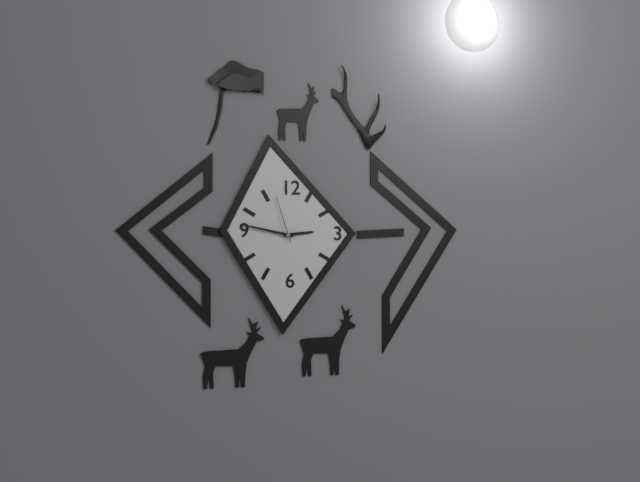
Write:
2,47
